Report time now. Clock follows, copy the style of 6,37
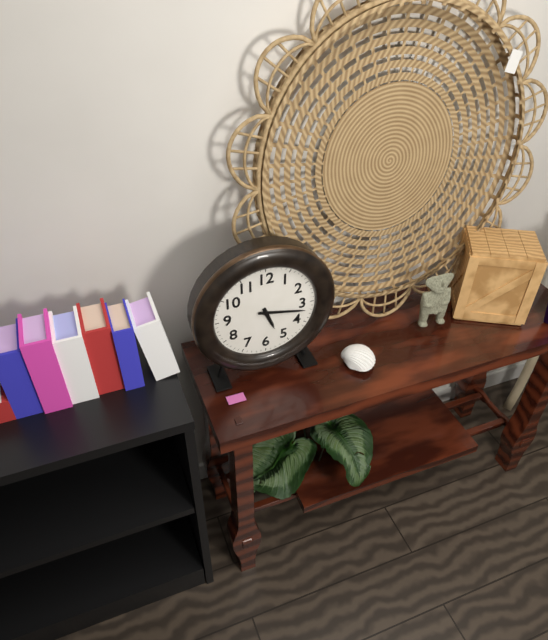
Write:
5,17
